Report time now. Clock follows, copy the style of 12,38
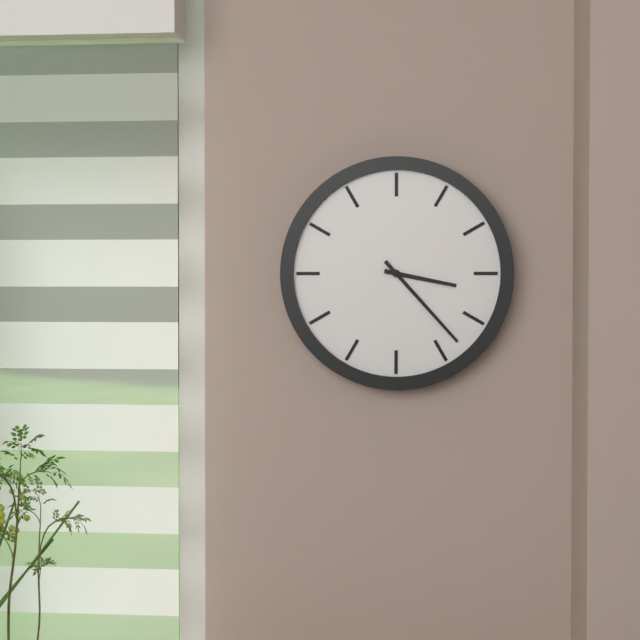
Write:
3,23
